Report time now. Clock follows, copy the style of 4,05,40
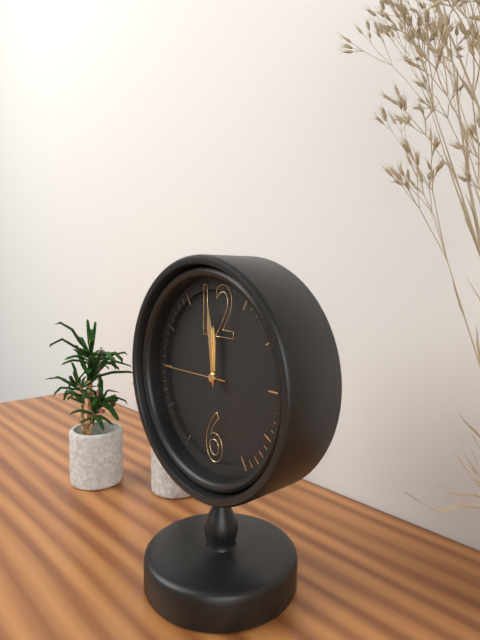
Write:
11,59,45
